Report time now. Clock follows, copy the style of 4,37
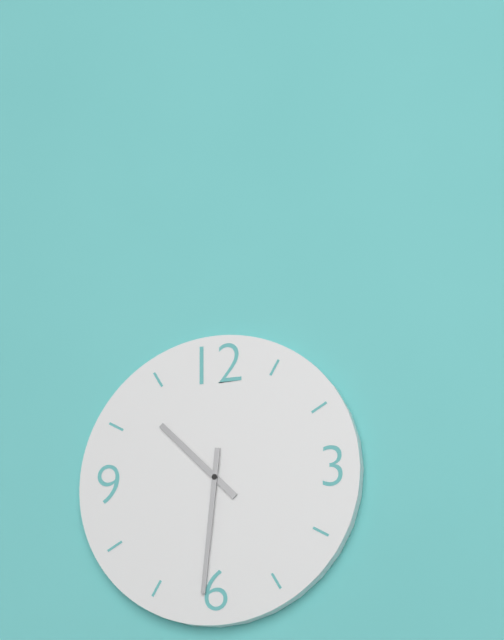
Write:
10,31
